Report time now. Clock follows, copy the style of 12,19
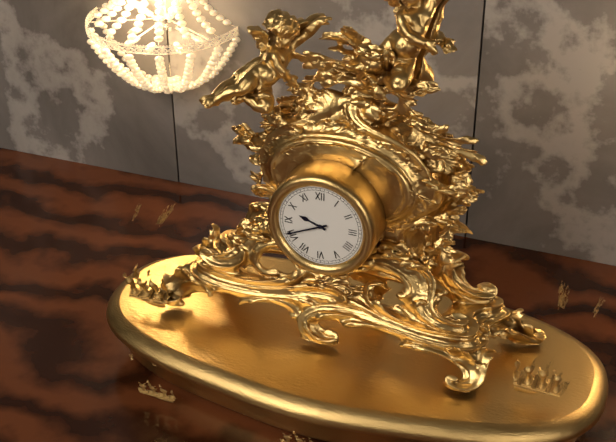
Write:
9,41
